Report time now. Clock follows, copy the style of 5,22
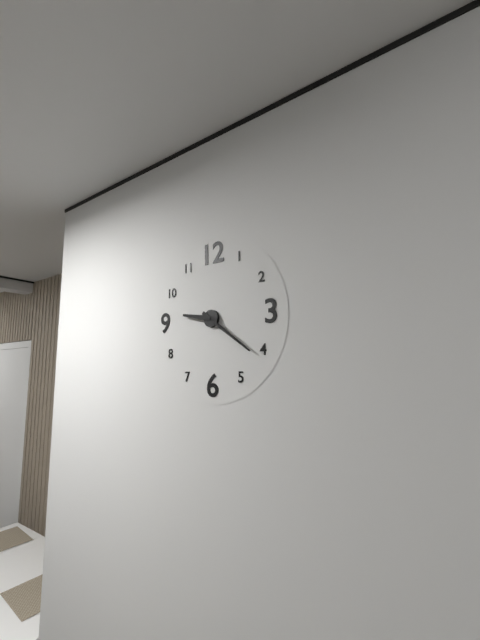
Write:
9,21
